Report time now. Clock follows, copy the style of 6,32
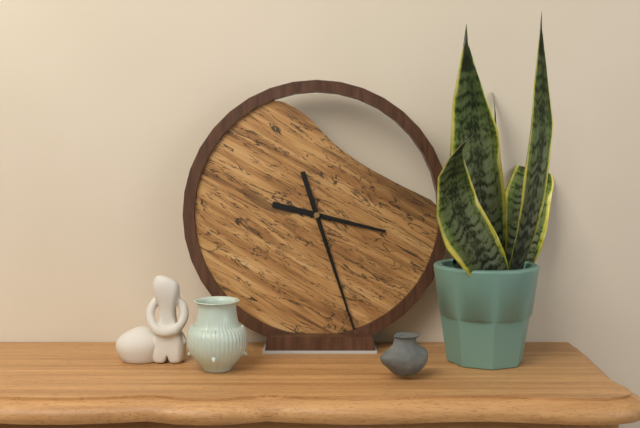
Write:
3,27
